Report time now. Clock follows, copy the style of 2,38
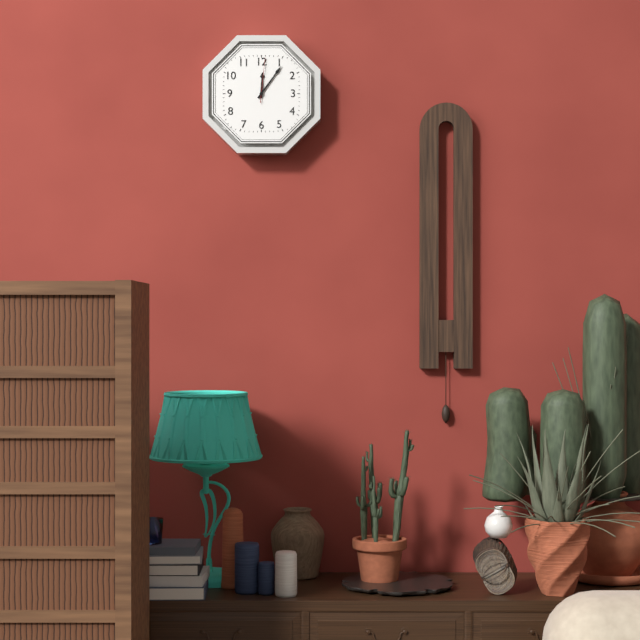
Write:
12,06
